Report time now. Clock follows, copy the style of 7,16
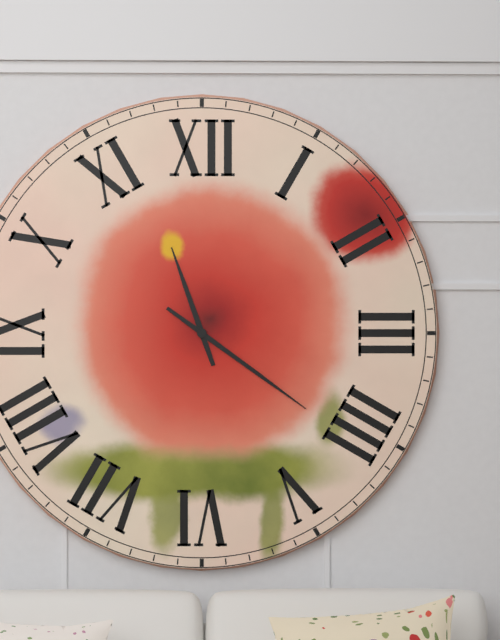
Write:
11,21
